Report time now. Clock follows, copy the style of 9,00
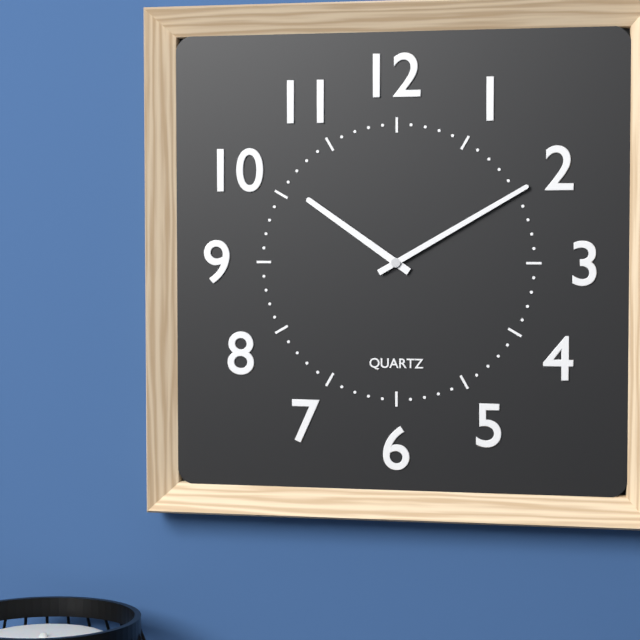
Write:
10,10
